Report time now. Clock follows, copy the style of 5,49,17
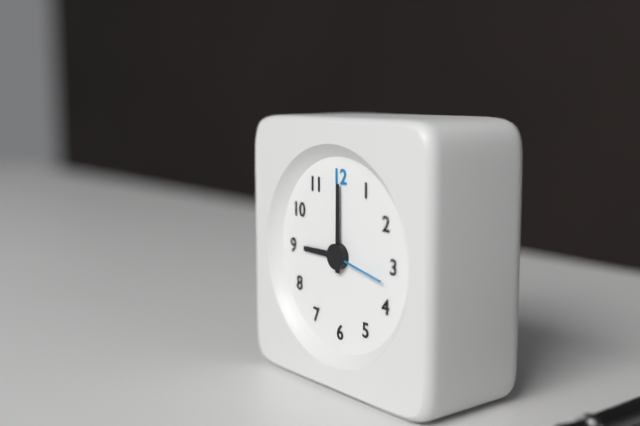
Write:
9,00,17
